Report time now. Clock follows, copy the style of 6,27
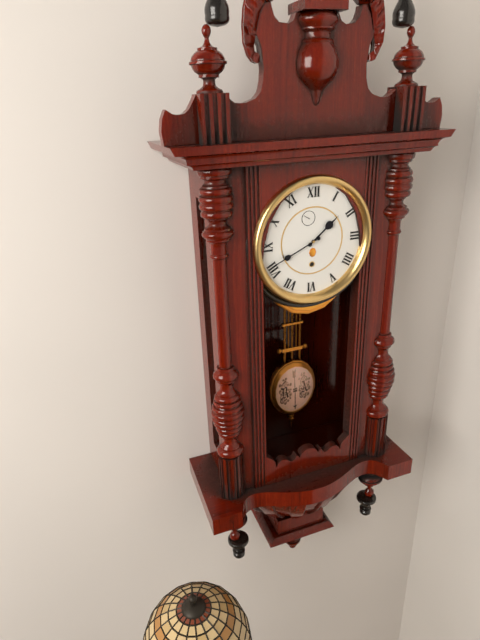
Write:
1,41
